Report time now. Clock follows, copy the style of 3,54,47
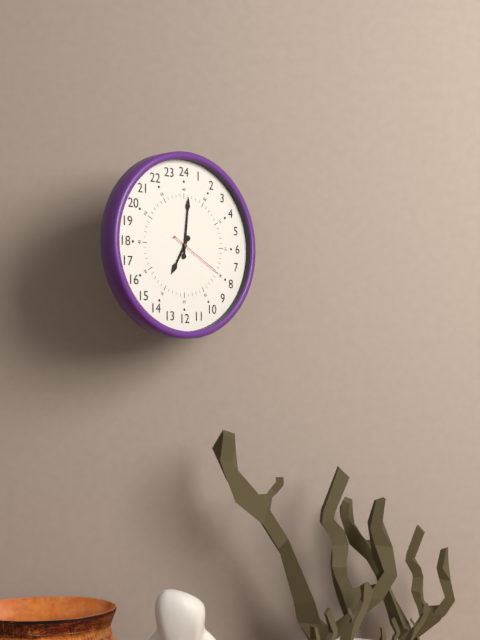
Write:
7,01,20
